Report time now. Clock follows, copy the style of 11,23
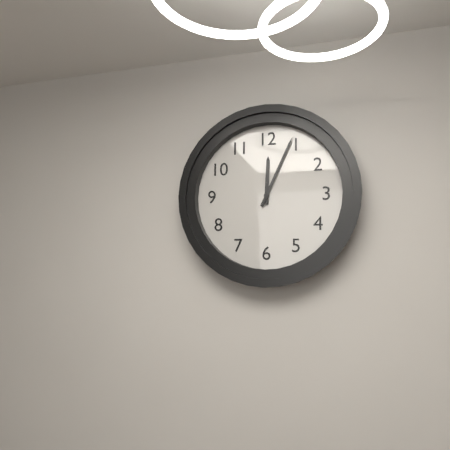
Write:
12,04
